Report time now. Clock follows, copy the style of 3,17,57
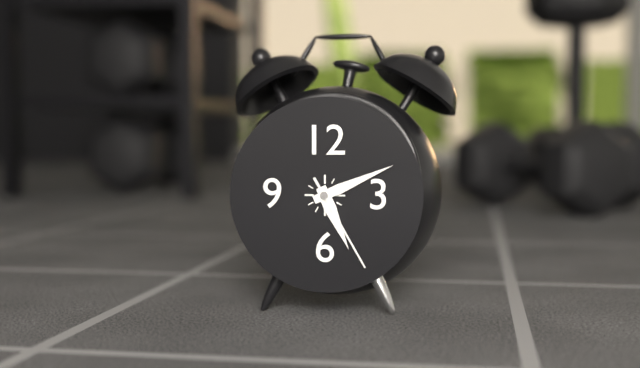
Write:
5,11,25
